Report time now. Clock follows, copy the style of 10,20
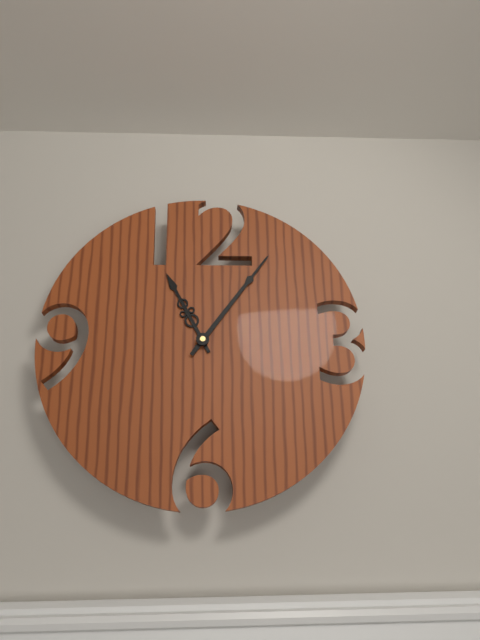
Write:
11,06
